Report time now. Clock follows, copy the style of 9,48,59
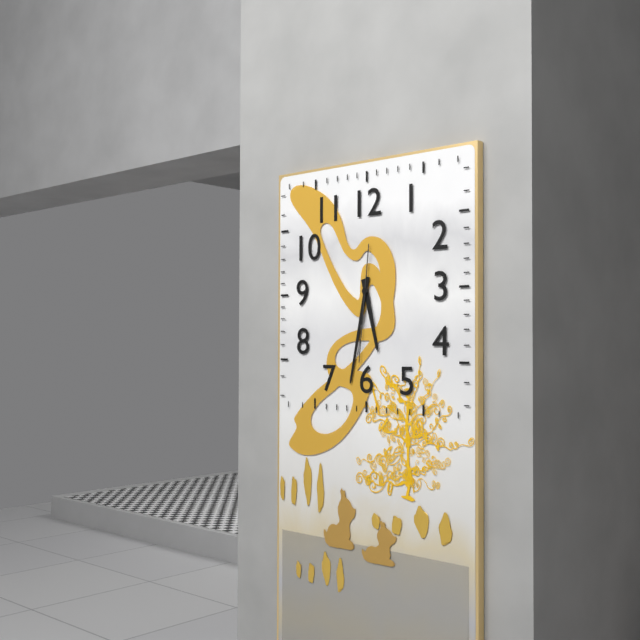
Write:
5,32,31
